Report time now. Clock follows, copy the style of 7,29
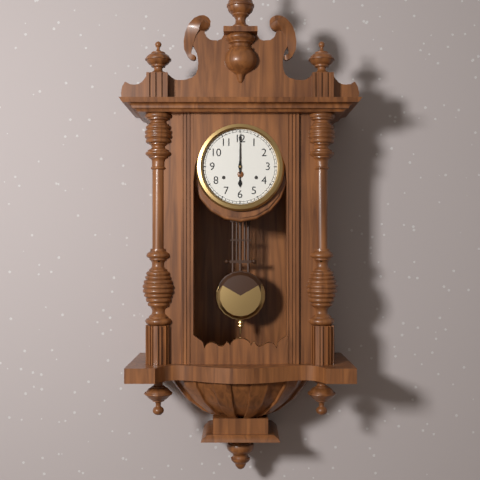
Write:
6,00
